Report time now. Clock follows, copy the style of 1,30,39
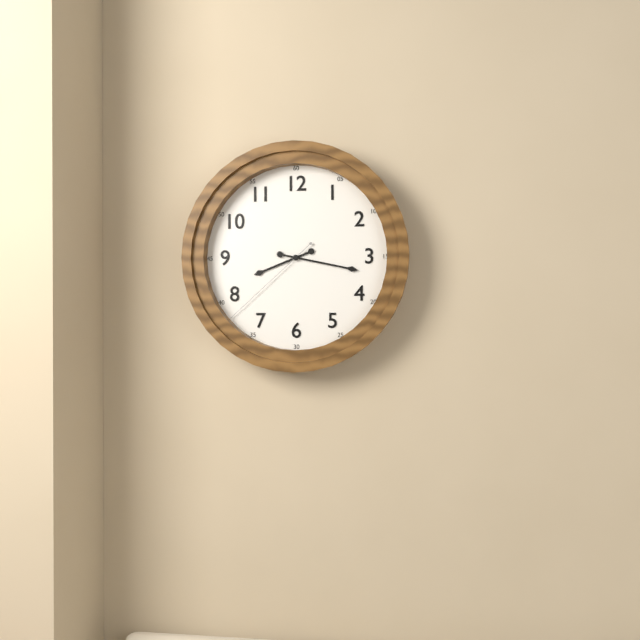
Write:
8,17,38
